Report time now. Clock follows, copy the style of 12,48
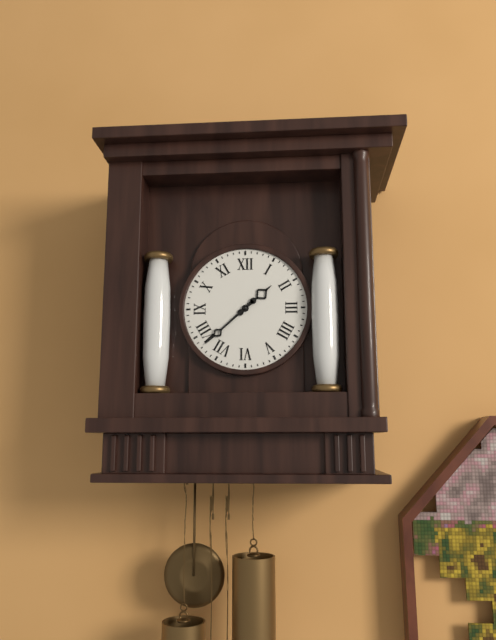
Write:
1,38
